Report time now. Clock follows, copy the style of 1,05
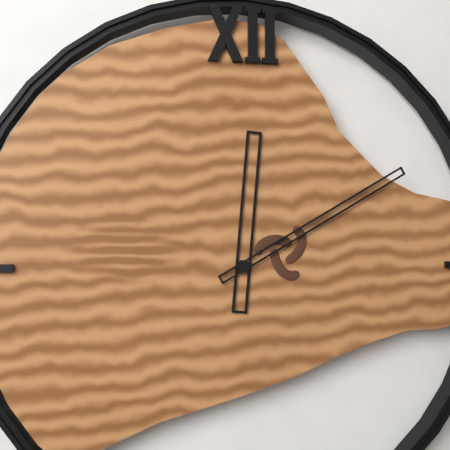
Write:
12,10
